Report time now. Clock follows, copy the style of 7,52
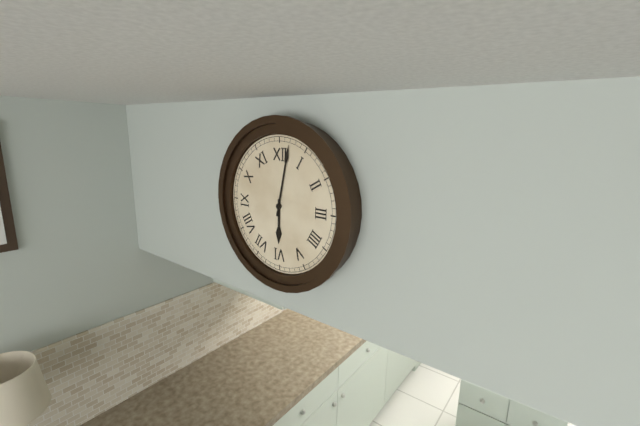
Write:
6,02
